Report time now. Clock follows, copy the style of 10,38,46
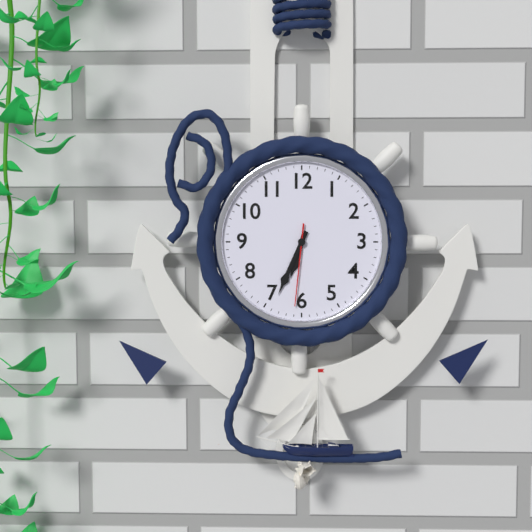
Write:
6,34,31
